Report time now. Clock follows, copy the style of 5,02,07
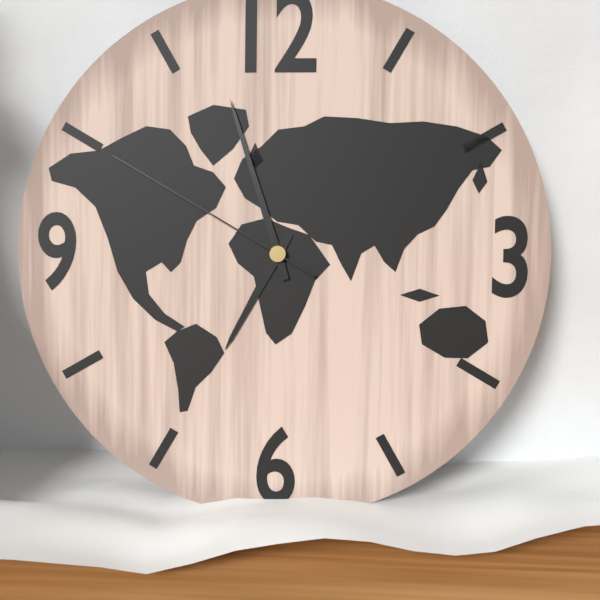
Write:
6,57,50
